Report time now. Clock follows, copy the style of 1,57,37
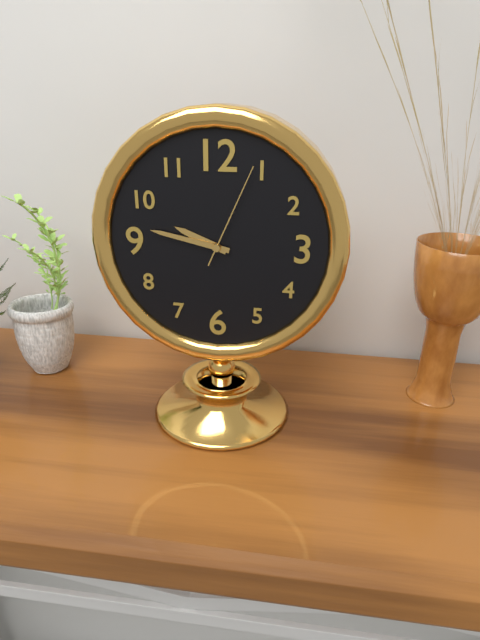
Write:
9,47,04
